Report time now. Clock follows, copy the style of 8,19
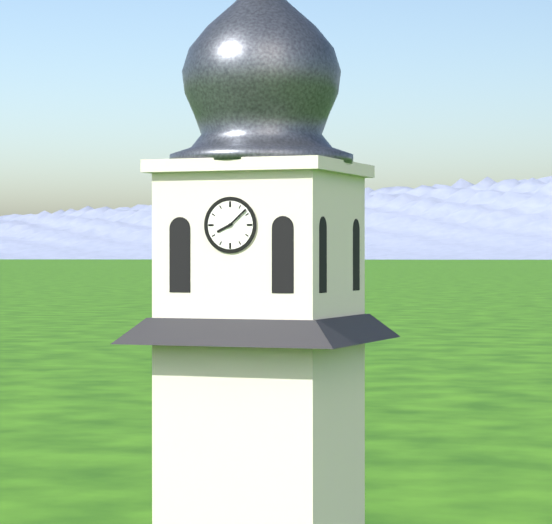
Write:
8,08
